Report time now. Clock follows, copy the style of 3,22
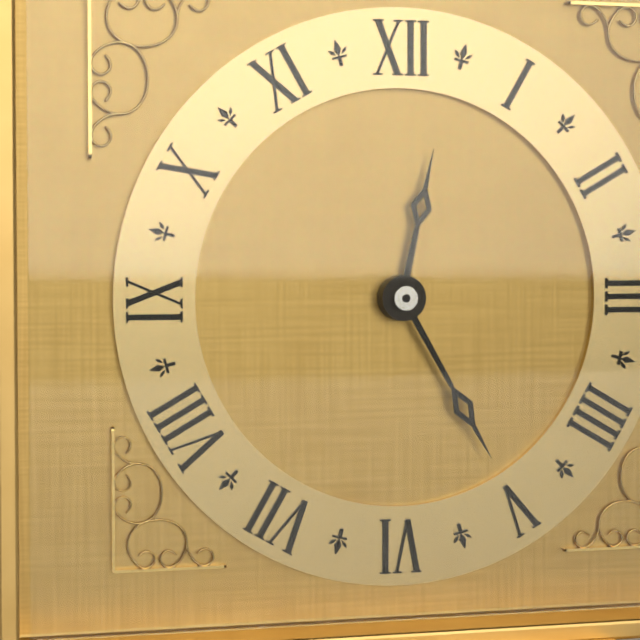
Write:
12,25
